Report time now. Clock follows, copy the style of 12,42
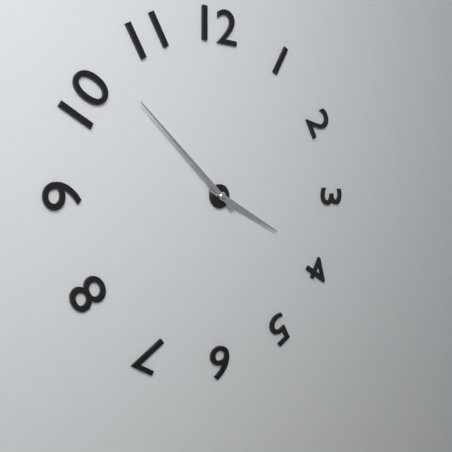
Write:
3,52
